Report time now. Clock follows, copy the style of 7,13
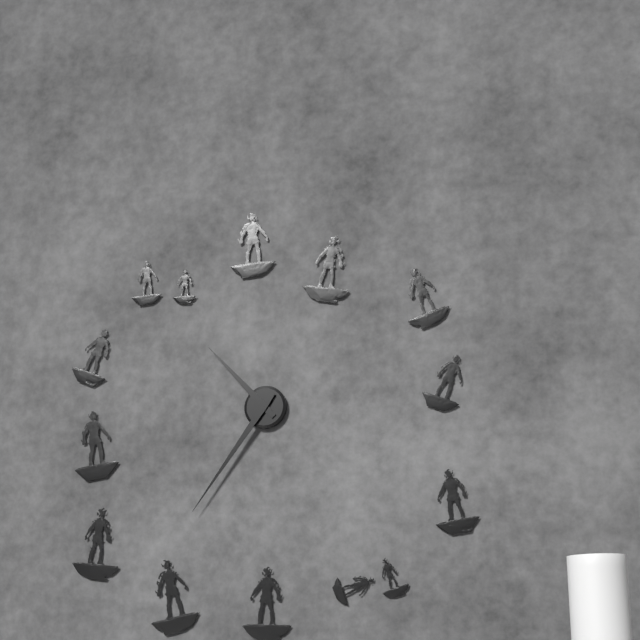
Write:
10,36
